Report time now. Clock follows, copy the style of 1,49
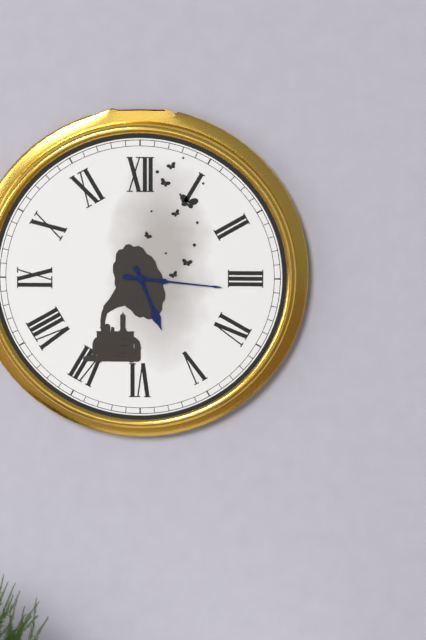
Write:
5,16
